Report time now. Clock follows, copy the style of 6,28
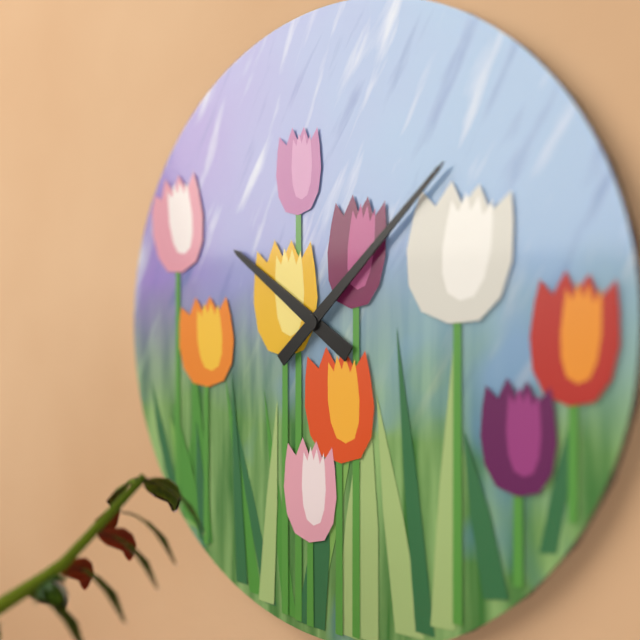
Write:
10,08
